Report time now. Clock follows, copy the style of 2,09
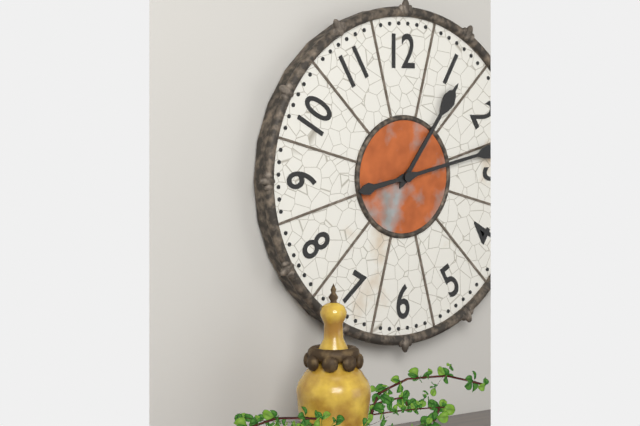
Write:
1,13
